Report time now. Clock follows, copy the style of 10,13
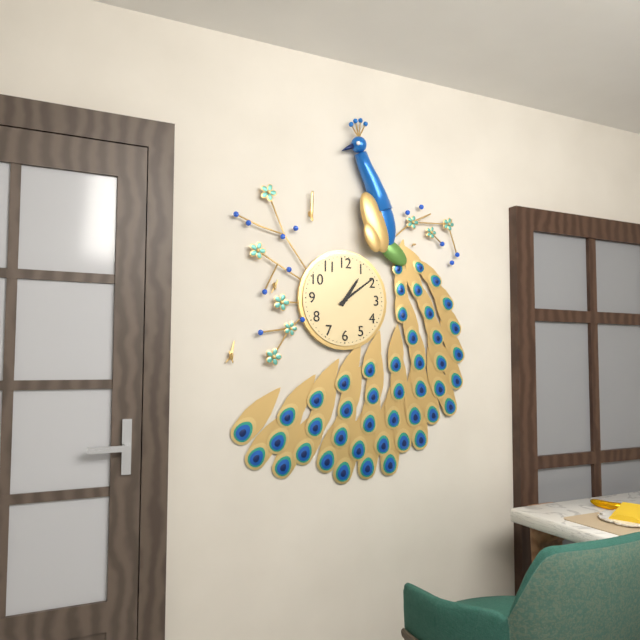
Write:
1,09
